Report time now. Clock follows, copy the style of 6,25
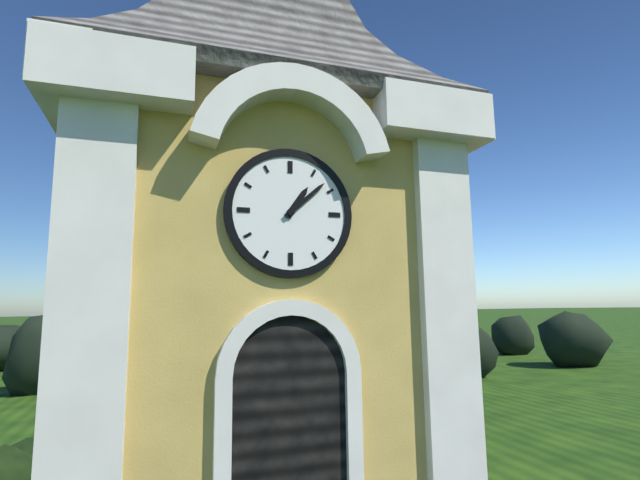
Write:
1,08
